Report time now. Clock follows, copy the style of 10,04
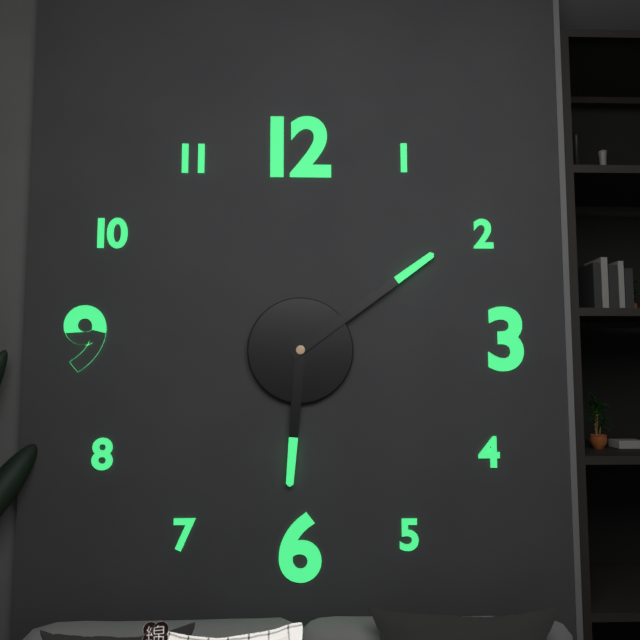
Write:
6,09
